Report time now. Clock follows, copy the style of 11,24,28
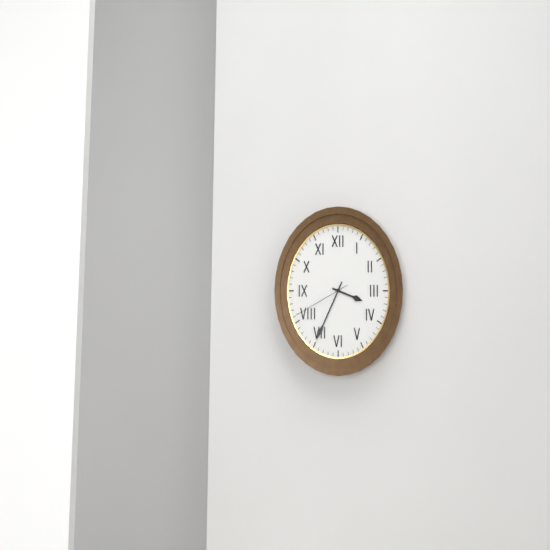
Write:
3,35,41
